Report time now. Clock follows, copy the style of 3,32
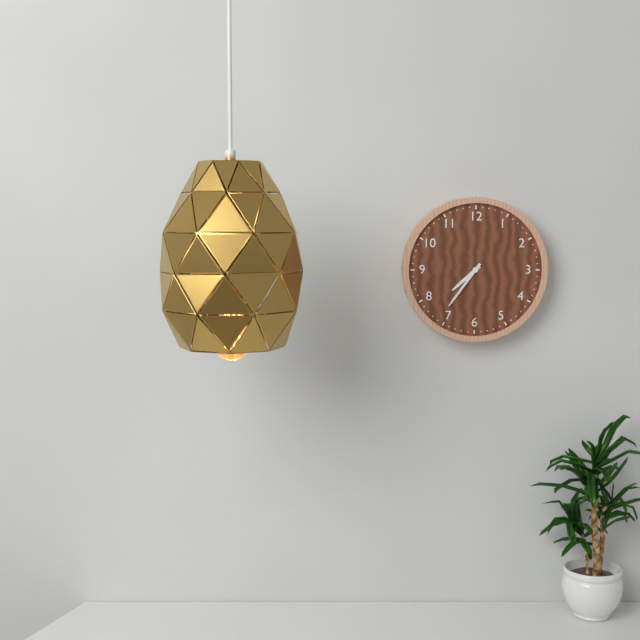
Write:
7,36
